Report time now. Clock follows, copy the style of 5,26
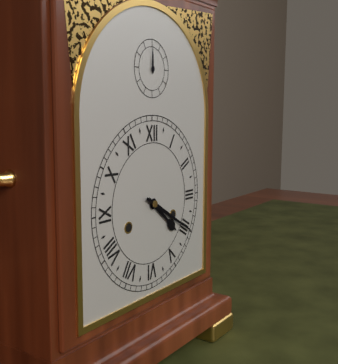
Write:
4,20
